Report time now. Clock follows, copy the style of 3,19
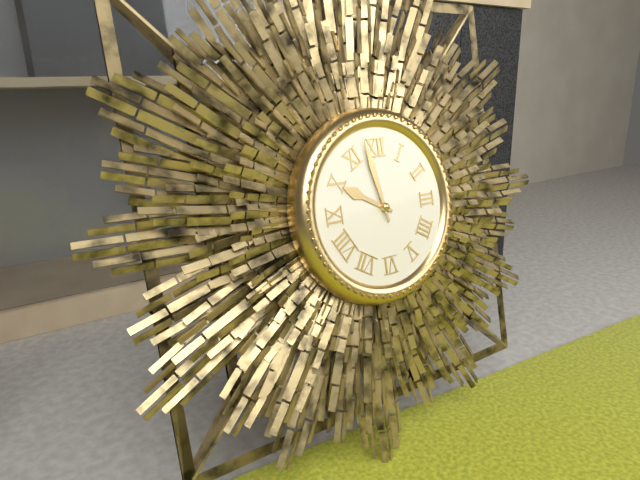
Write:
9,58
